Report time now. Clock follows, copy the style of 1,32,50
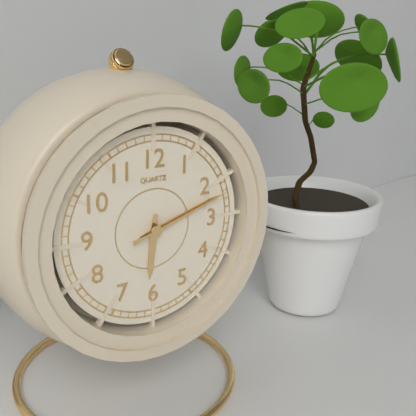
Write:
6,12,12
